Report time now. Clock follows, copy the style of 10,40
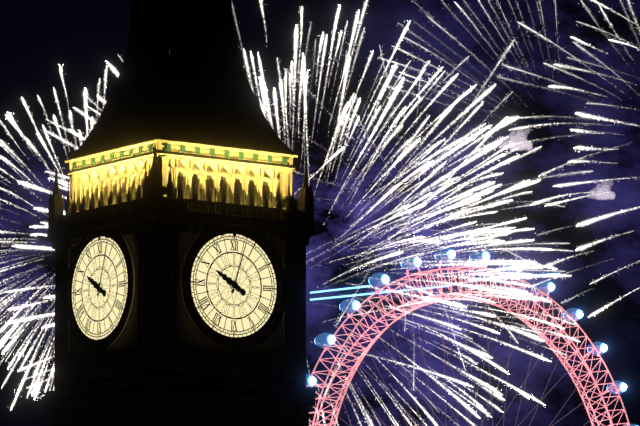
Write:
10,03
